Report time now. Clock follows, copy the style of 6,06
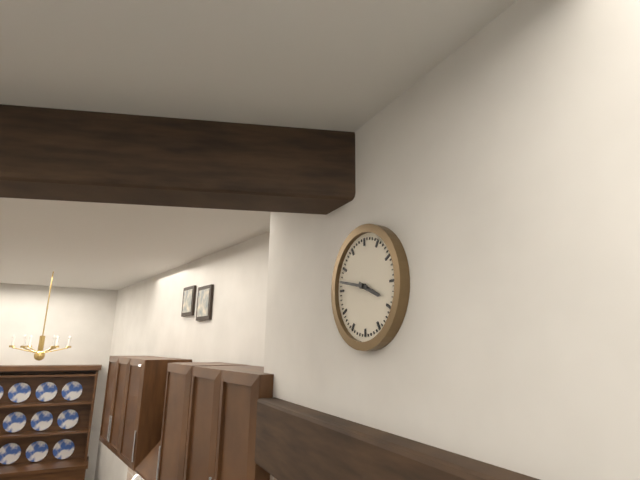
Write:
3,47
